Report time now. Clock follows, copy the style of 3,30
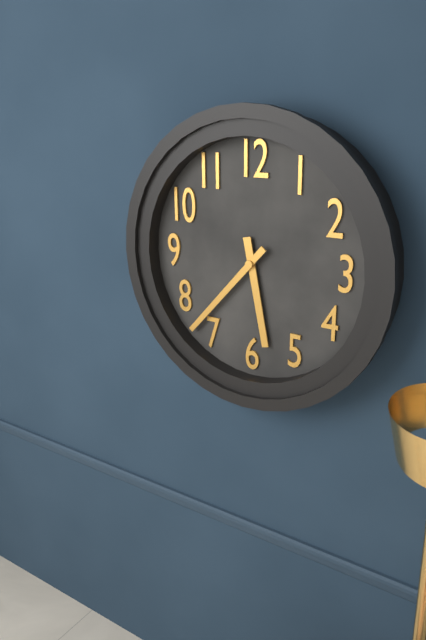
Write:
5,37
